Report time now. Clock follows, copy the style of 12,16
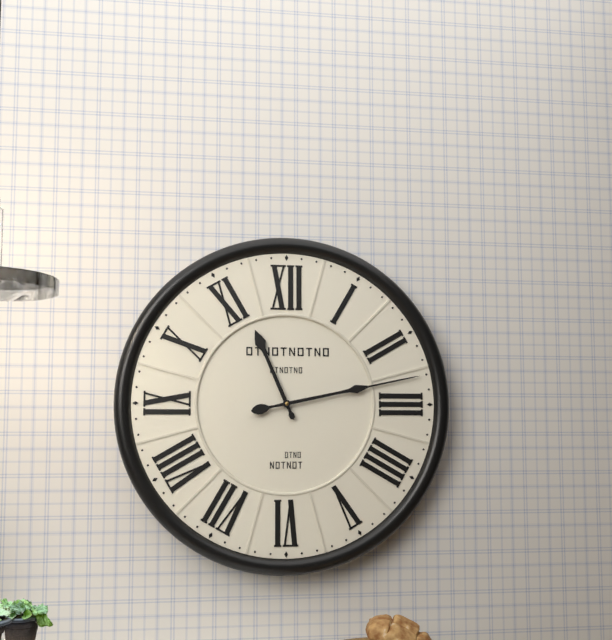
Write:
11,13
